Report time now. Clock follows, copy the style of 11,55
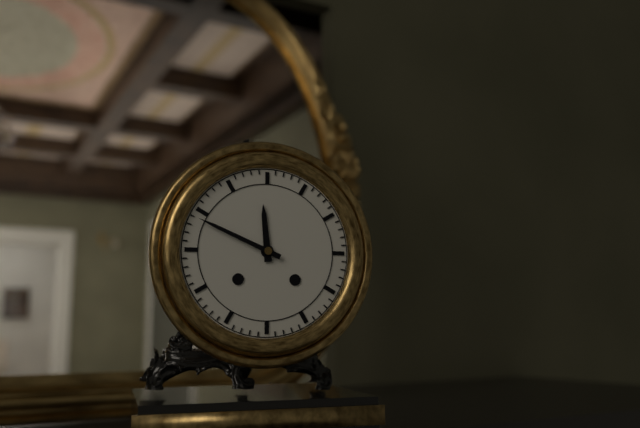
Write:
11,49
